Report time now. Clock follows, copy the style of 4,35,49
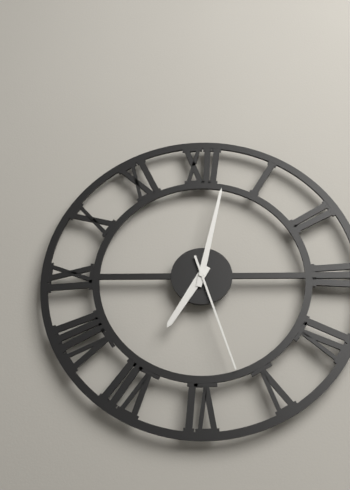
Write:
7,02,27
